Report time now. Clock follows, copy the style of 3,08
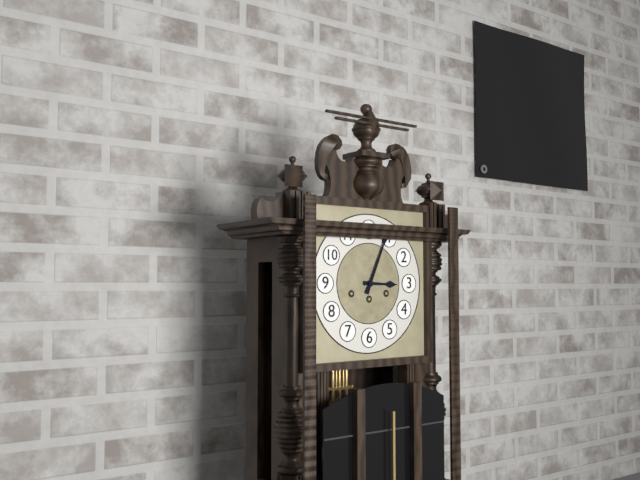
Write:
3,04
